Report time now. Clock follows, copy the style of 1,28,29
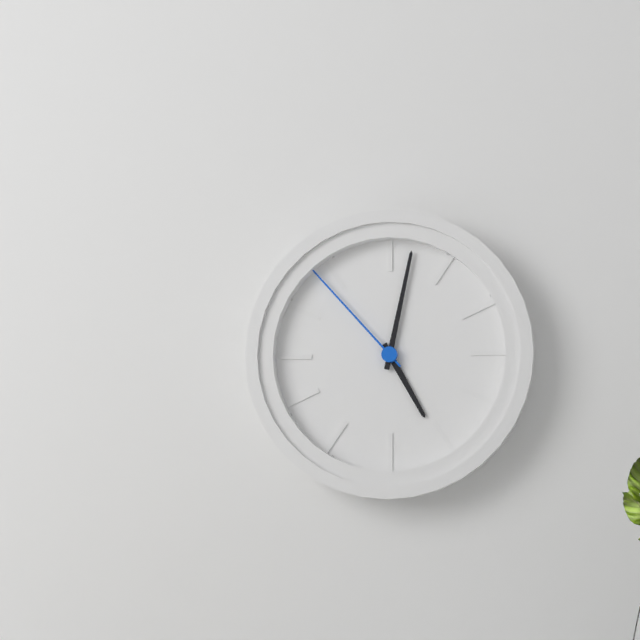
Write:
5,02,53
